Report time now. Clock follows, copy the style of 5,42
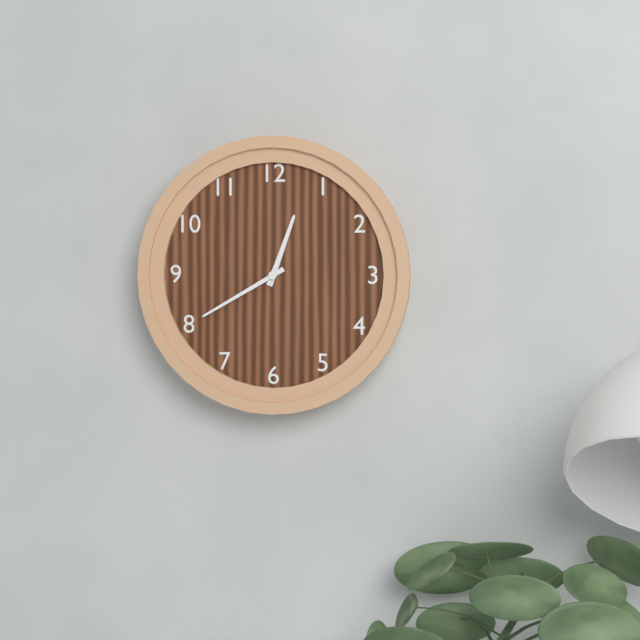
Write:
12,40
